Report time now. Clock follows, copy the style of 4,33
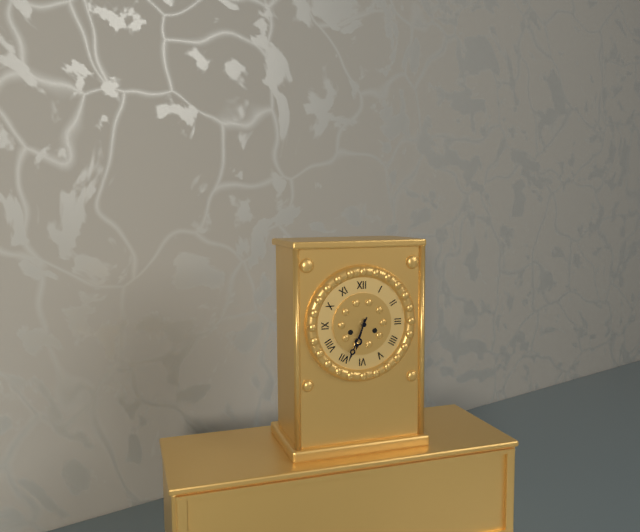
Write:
6,34
